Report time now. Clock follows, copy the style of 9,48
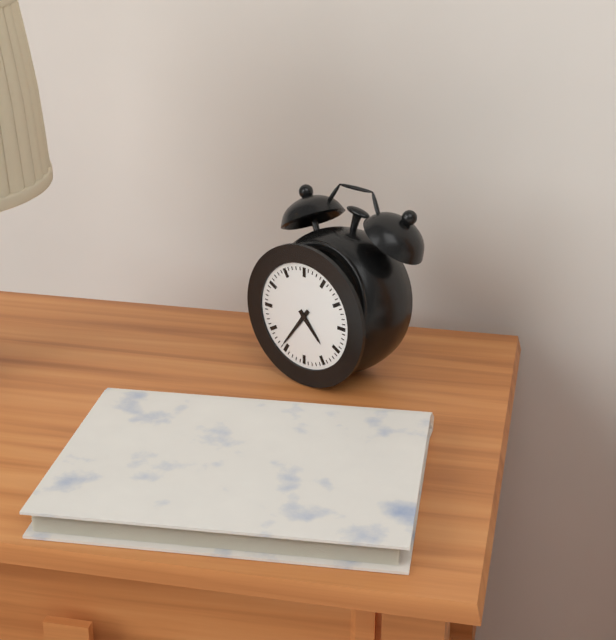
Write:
4,36
